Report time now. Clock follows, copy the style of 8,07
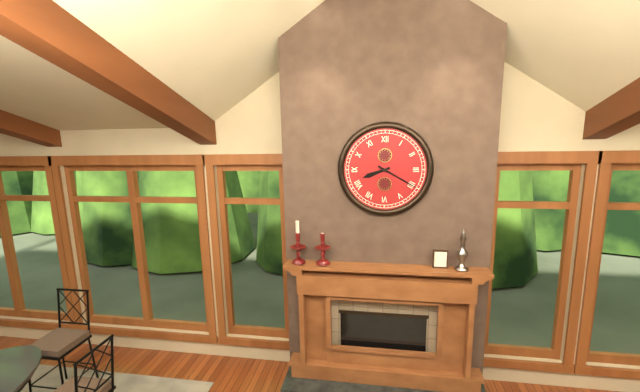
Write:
8,20
